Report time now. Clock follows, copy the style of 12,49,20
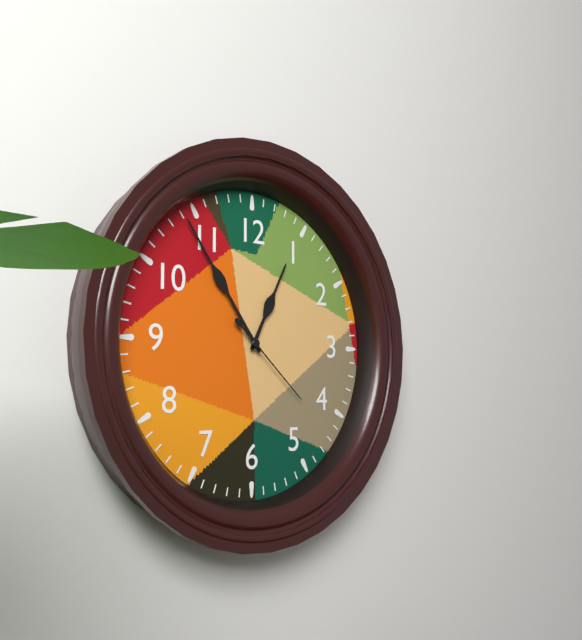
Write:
12,54,22
